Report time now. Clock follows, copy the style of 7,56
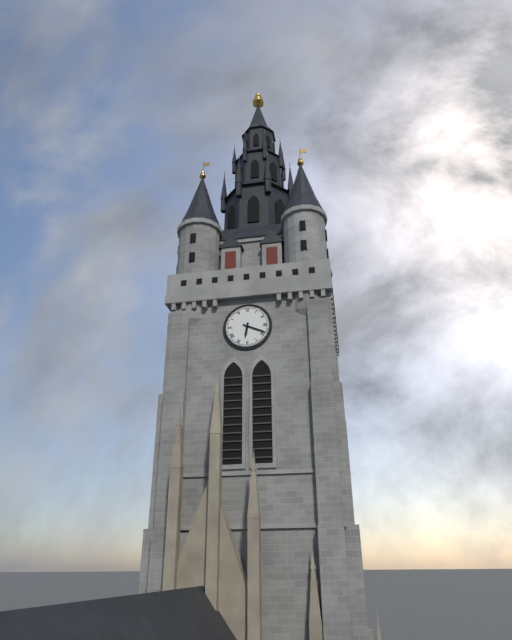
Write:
6,19
